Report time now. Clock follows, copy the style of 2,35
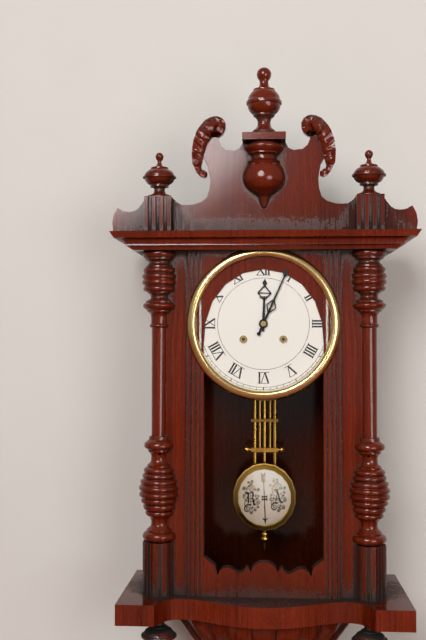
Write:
12,04
